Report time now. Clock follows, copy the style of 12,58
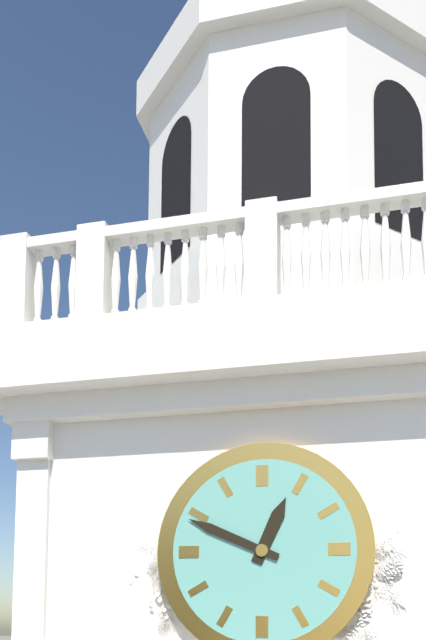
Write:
12,49
